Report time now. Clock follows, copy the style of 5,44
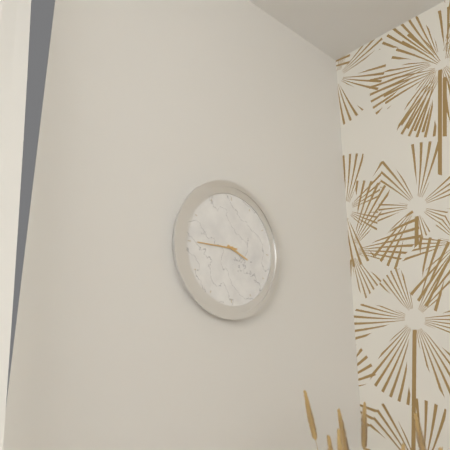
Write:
3,45
